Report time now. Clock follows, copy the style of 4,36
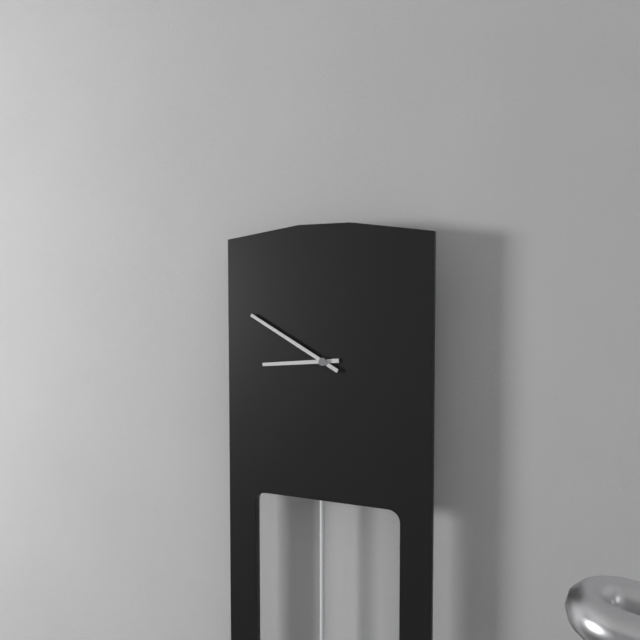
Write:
8,50
